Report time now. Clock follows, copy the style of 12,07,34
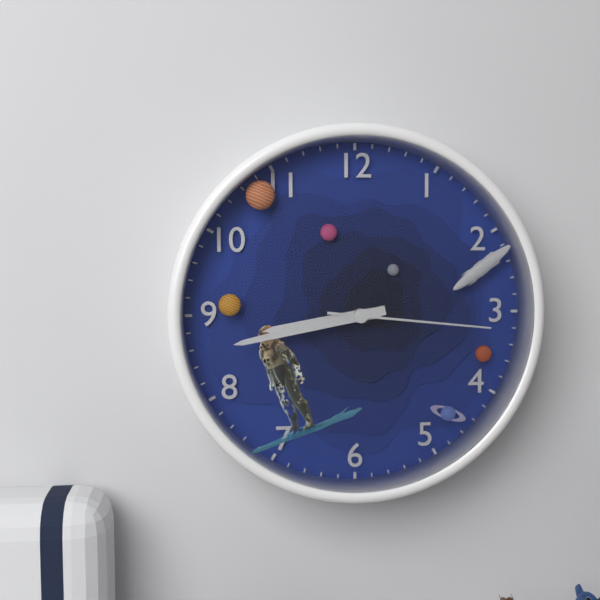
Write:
8,43,16
